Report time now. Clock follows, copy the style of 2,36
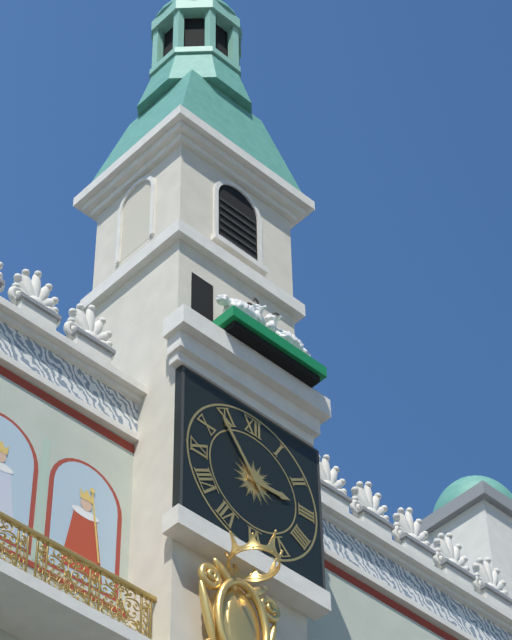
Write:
2,54
